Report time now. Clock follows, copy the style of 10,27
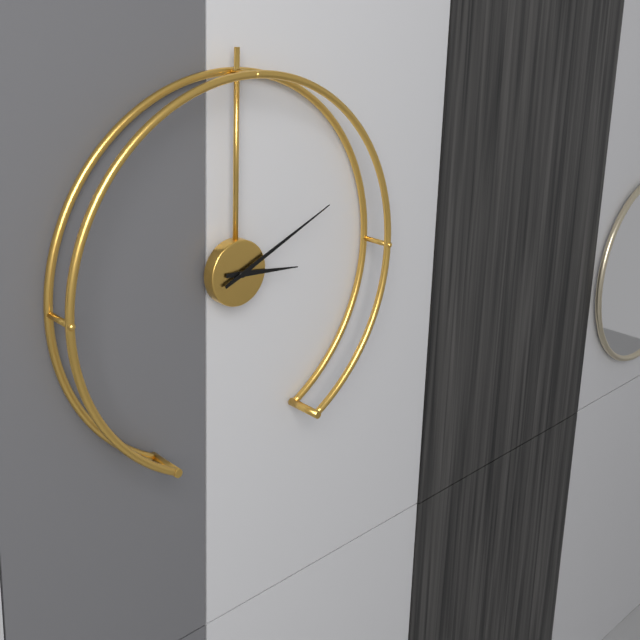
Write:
3,11
